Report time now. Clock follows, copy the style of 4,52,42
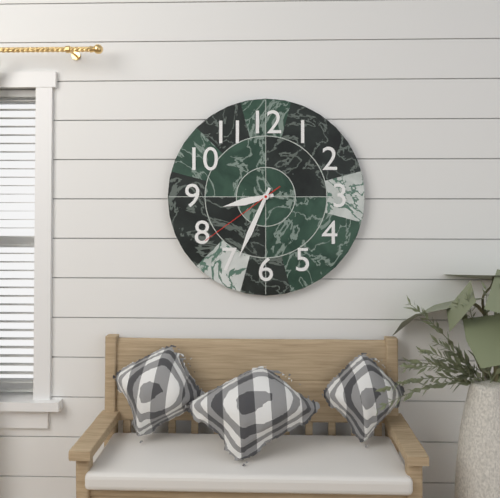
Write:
8,34,39
